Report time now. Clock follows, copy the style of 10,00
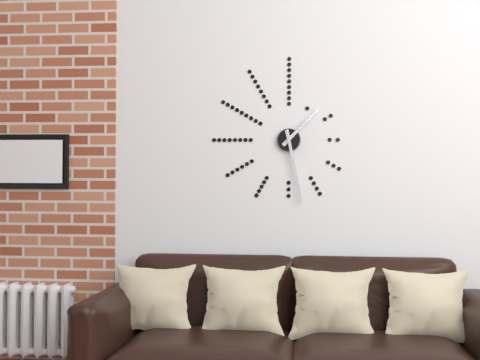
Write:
1,28
